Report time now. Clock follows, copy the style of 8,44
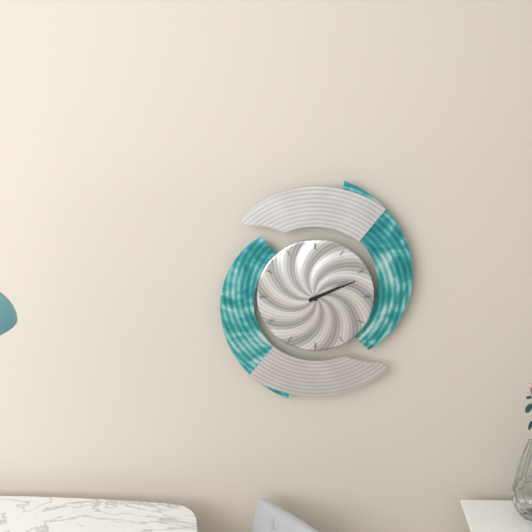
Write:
2,11
